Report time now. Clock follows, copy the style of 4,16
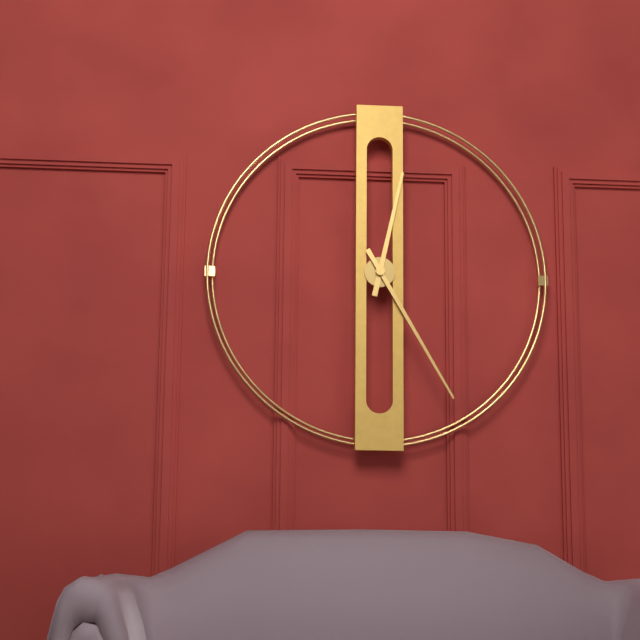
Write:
12,25
